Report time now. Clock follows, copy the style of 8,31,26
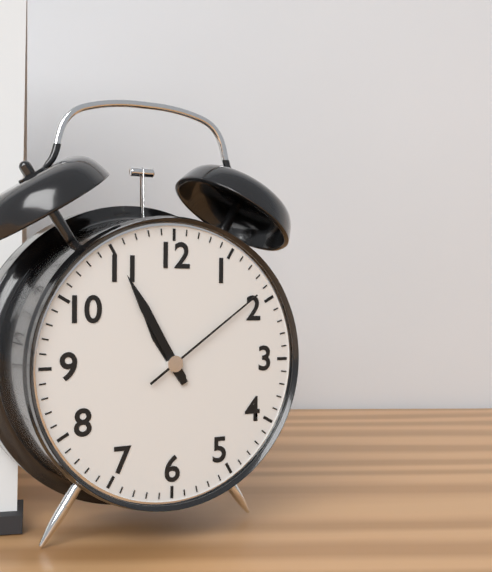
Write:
10,55,09
